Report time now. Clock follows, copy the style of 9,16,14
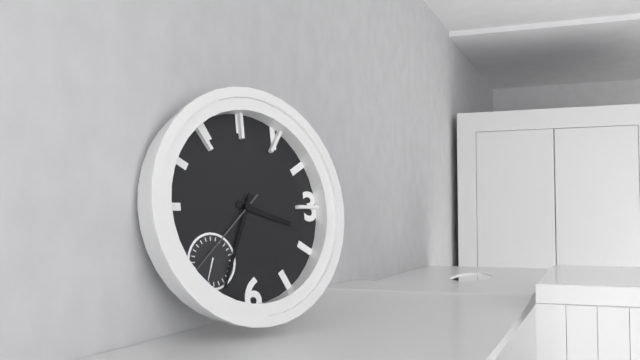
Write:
3,34,38
